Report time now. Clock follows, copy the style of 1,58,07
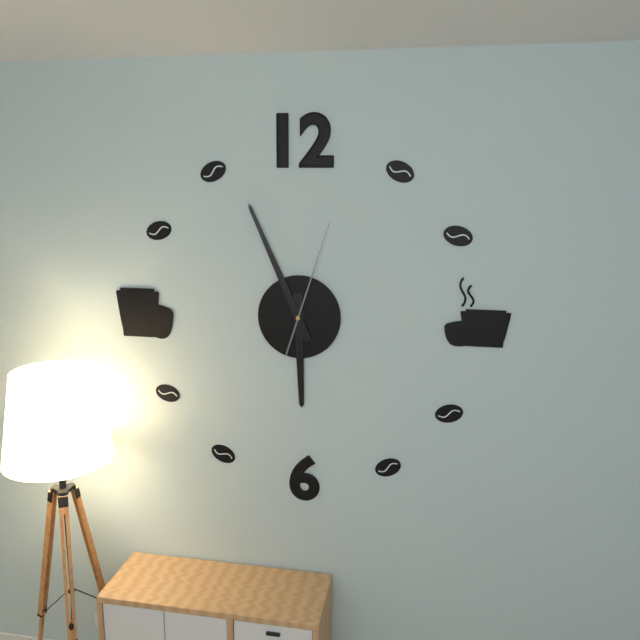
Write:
5,56,03
